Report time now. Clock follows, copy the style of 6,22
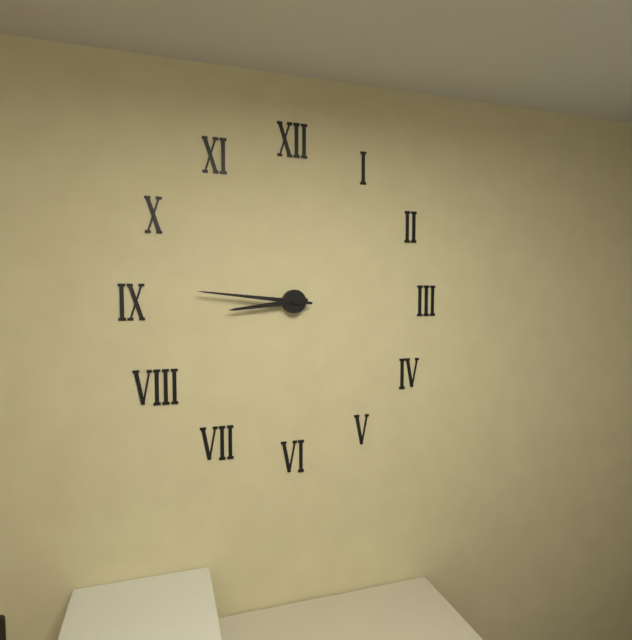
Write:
8,46
